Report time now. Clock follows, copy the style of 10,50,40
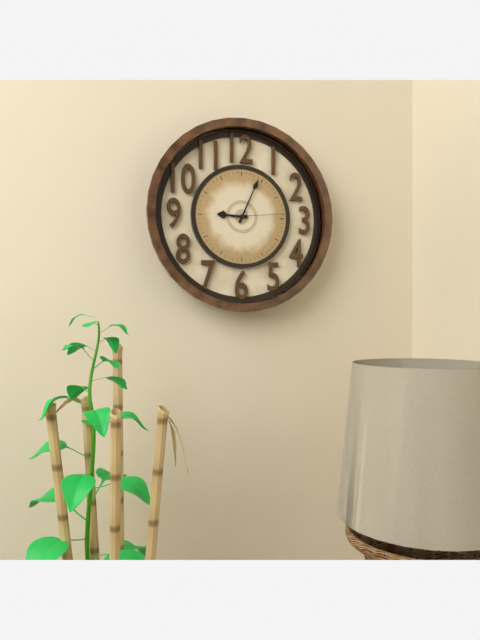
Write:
9,04,14
